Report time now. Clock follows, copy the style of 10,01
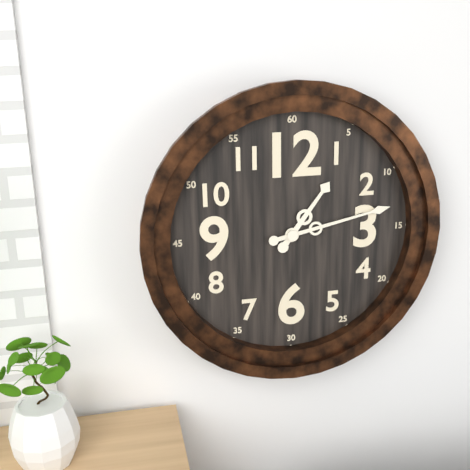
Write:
1,13
